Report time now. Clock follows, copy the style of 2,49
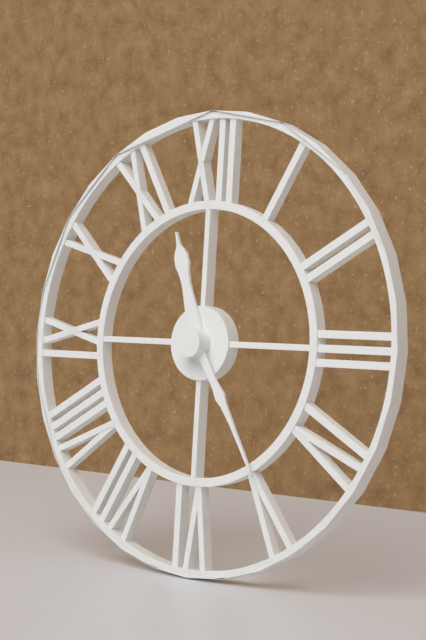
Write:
11,24
